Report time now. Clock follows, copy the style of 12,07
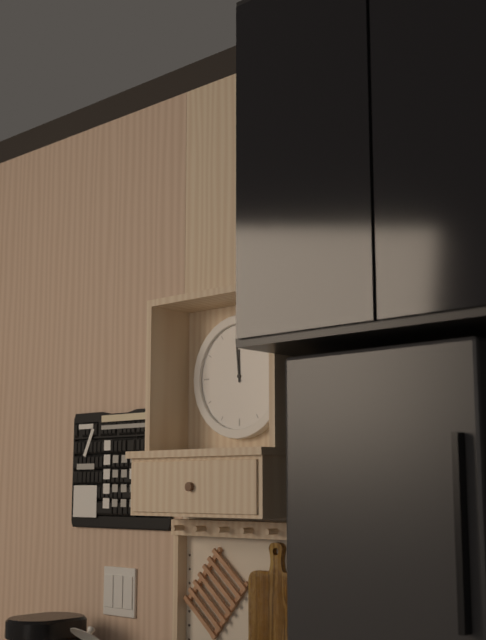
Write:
11,59
